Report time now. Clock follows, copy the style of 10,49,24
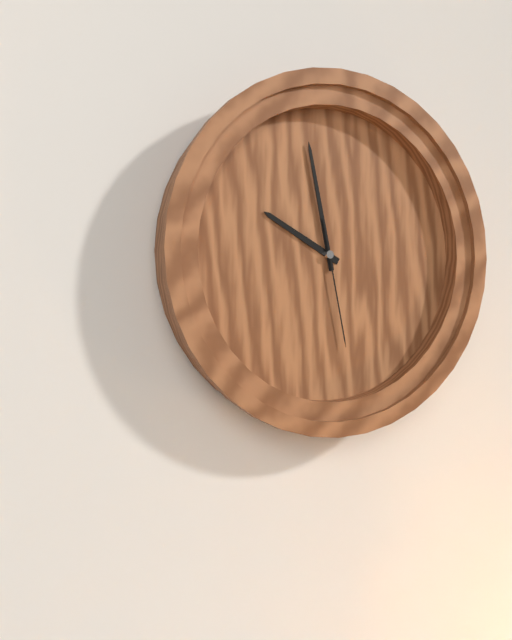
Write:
9,58,28
